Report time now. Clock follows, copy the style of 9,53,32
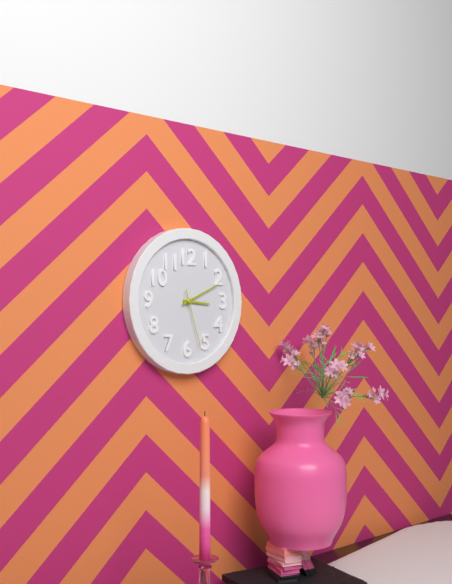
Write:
3,11,27
